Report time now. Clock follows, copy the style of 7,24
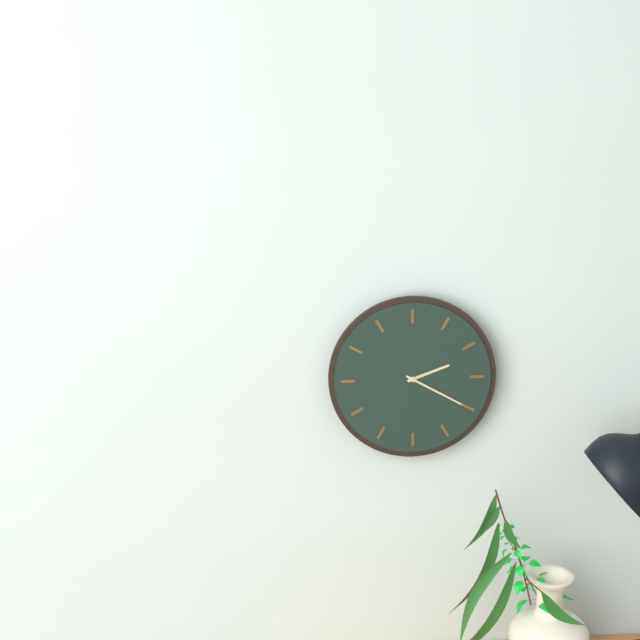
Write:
2,20
